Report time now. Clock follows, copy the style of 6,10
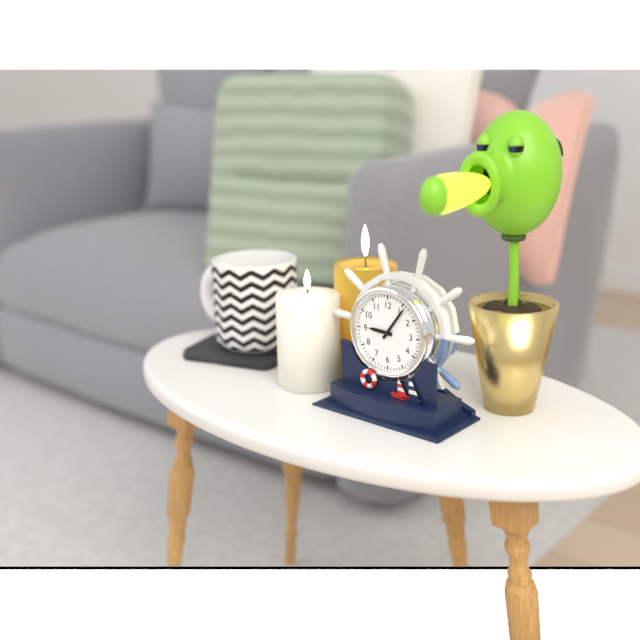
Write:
9,06
